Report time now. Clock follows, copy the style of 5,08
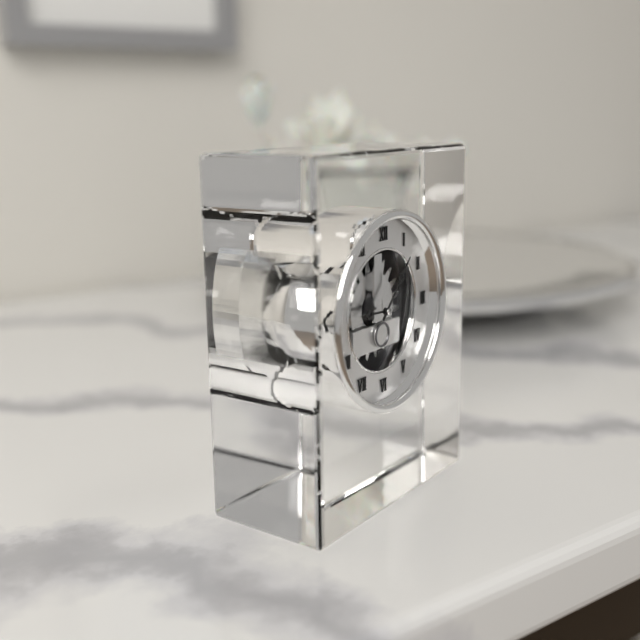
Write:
9,07
